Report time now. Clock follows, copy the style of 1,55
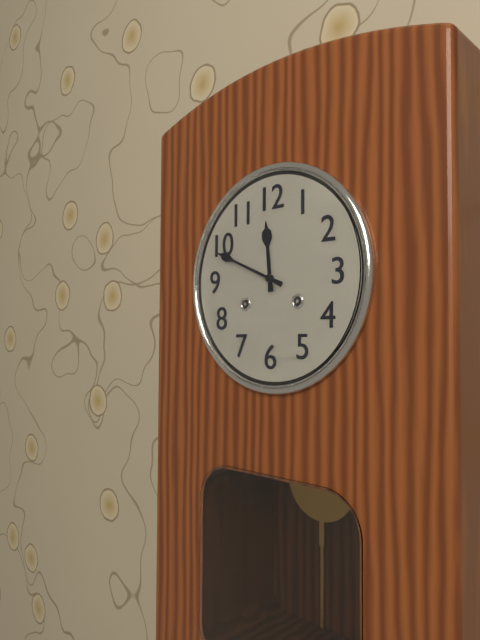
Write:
11,49
